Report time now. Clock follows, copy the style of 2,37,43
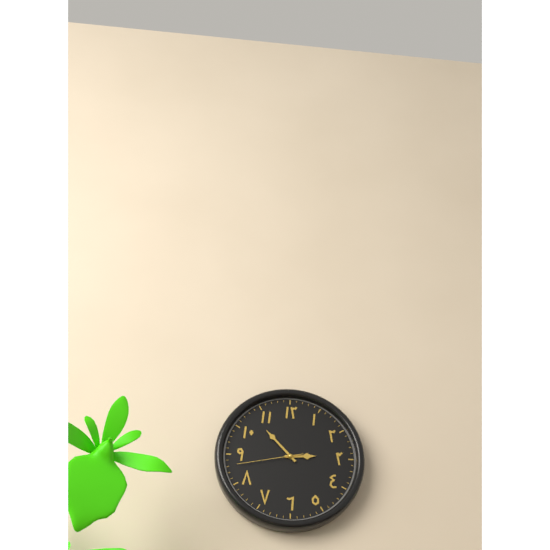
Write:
2,53,43
